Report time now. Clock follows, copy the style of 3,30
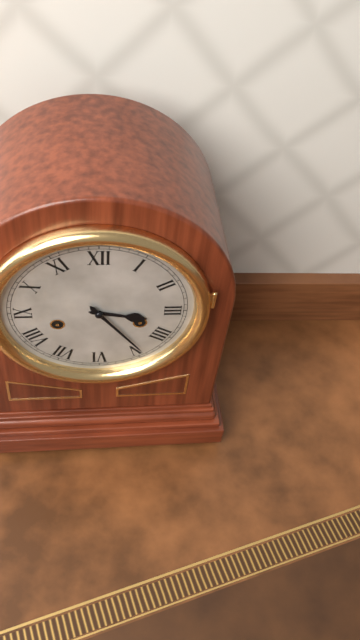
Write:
3,24
